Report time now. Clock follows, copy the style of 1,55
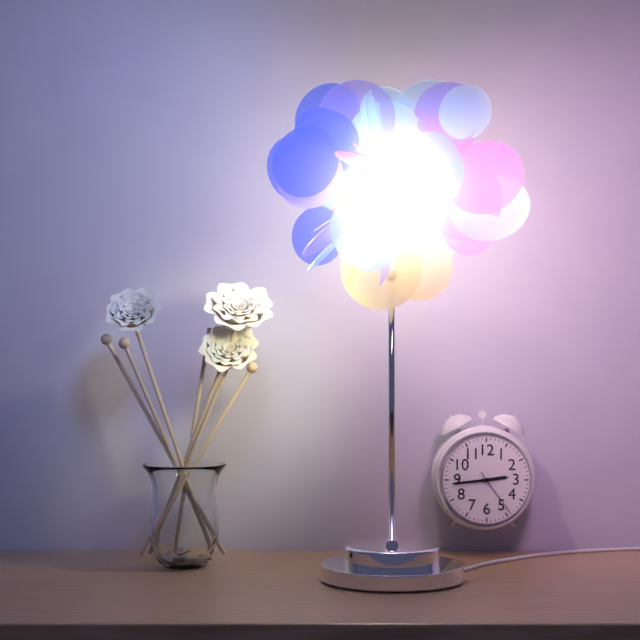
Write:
2,44
